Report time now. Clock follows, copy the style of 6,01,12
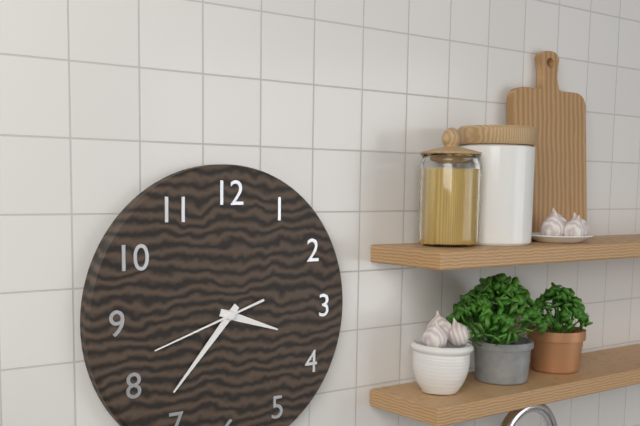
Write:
3,37,42
